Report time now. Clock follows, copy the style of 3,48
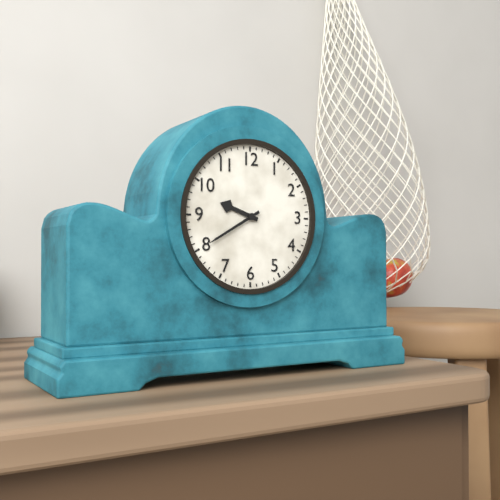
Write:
9,40
